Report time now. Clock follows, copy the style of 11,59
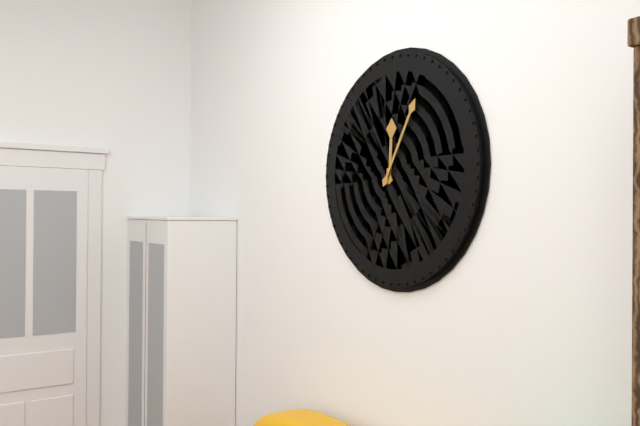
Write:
12,05
